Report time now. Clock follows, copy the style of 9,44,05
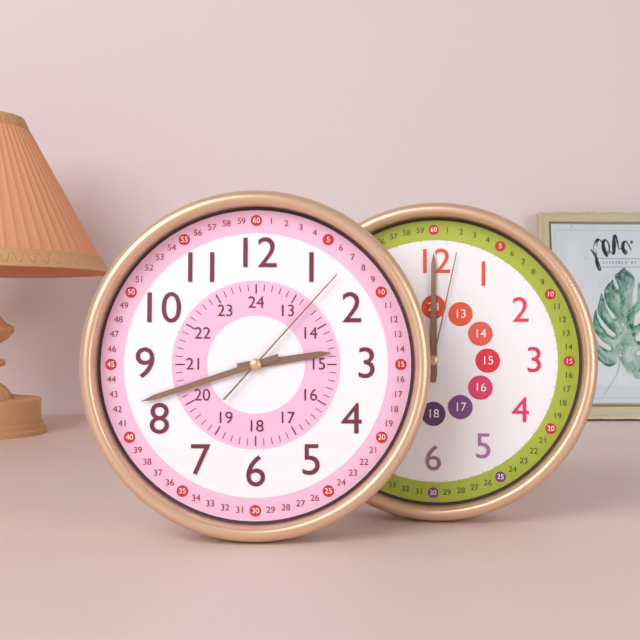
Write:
2,42,07
